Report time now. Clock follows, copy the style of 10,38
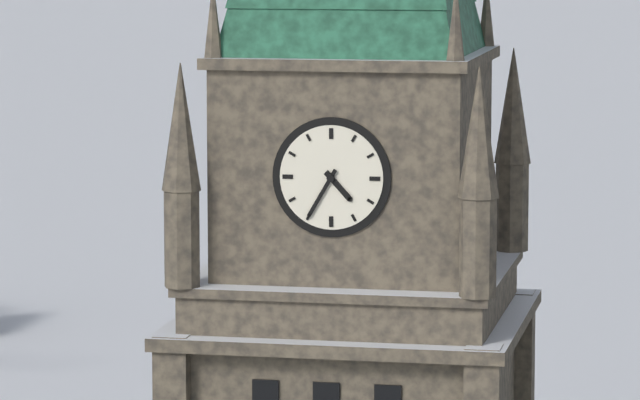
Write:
4,35
